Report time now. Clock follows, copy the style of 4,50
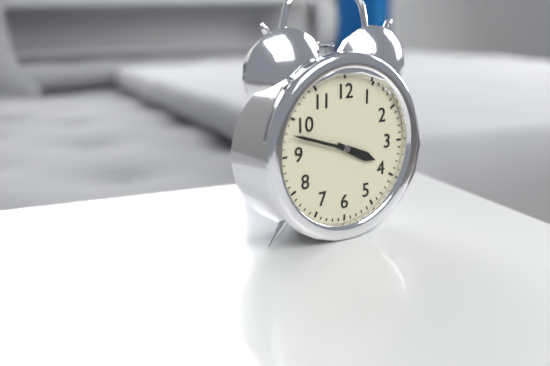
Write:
3,48
